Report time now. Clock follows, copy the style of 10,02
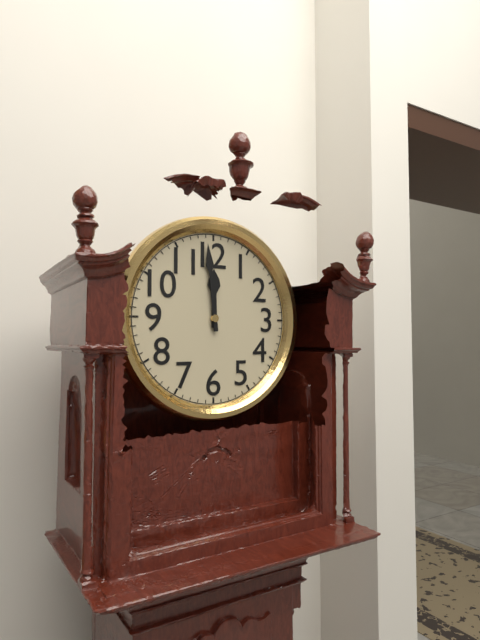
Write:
11,59
